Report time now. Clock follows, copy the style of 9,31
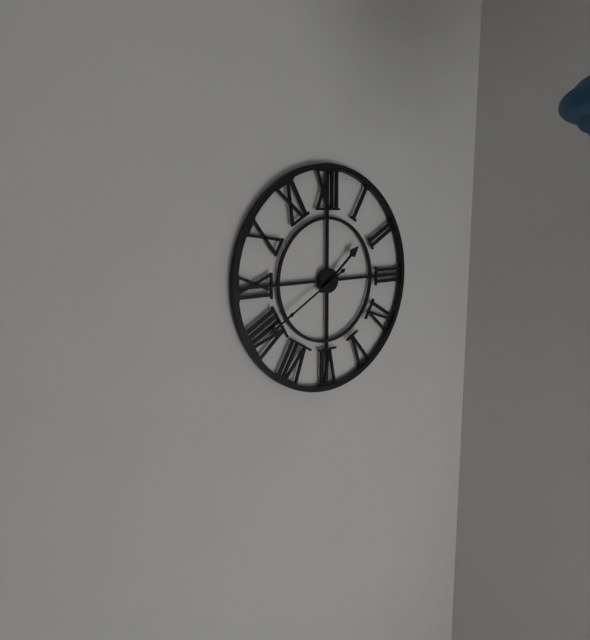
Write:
1,40
